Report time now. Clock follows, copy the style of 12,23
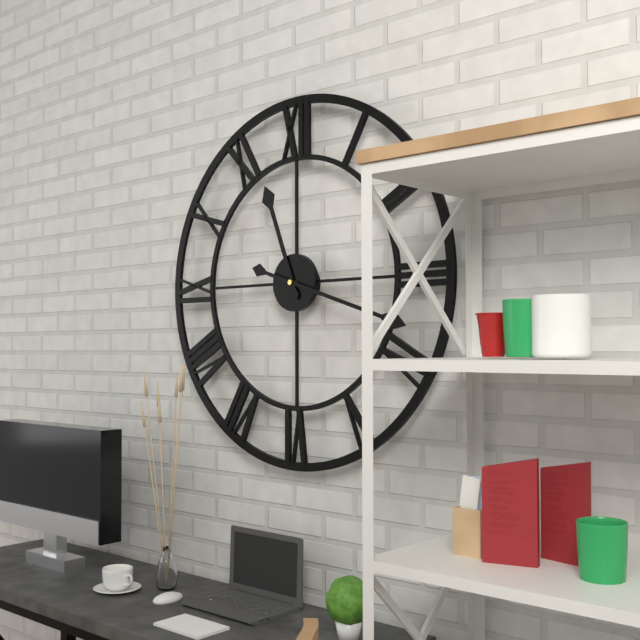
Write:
11,18
